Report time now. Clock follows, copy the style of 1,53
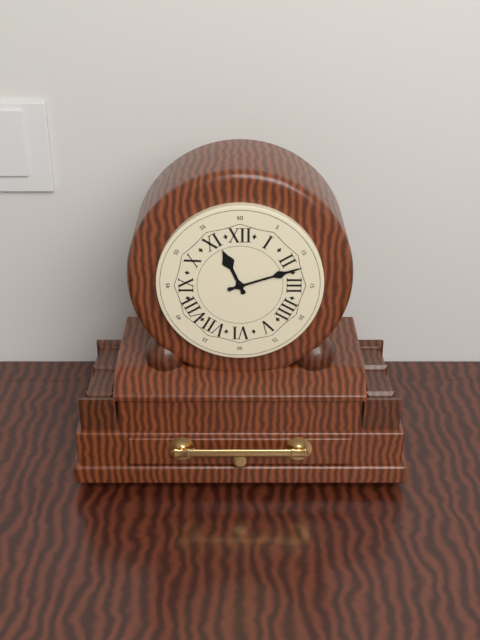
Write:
11,12
